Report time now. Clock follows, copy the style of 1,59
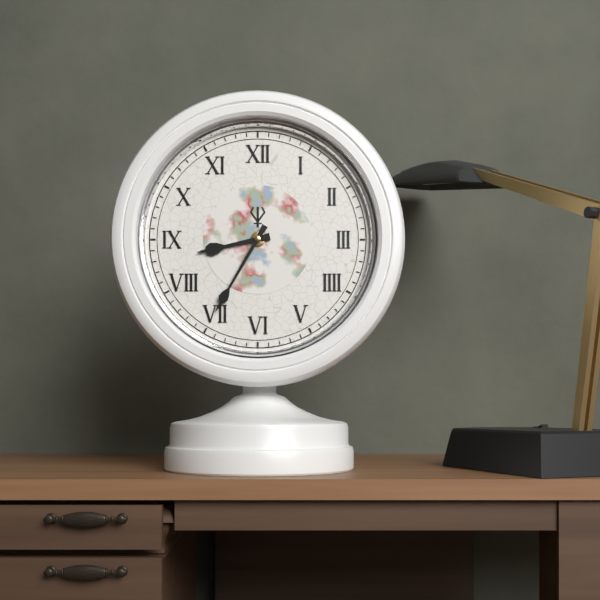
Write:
8,35
